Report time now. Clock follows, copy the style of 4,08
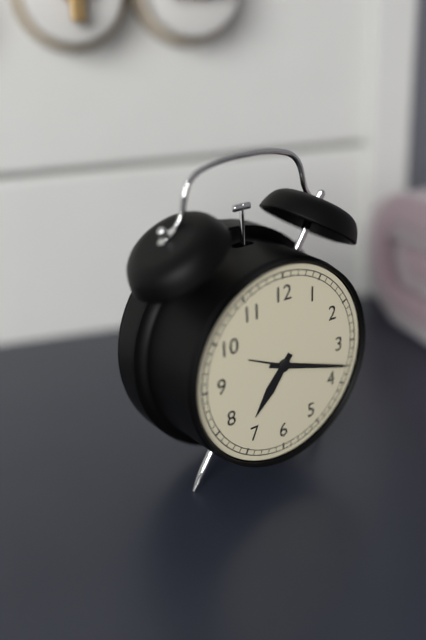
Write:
7,18
